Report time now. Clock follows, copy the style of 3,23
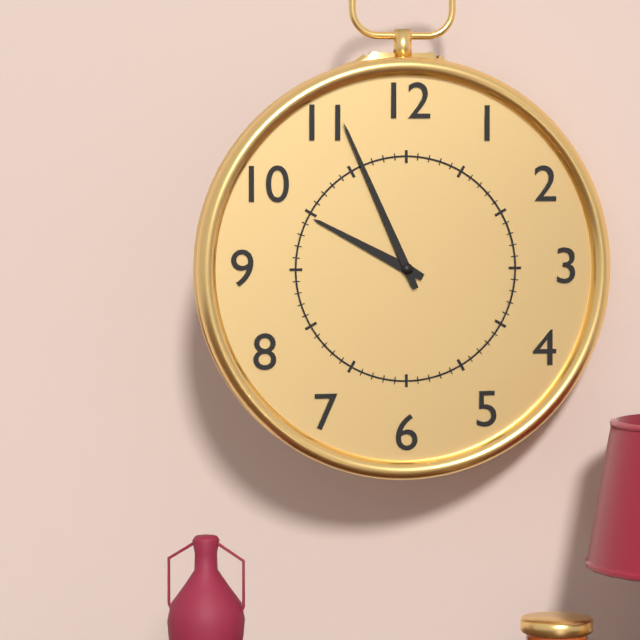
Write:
9,56
